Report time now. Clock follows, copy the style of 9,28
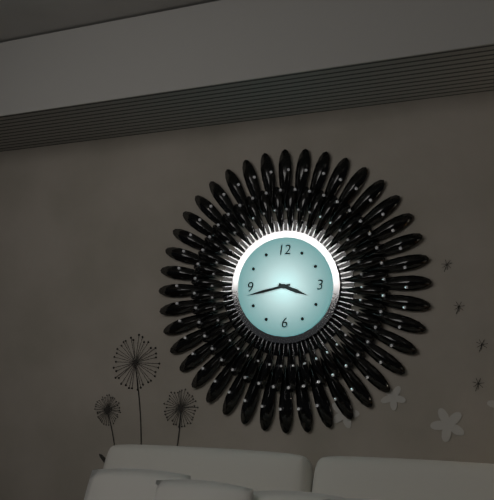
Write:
3,43
